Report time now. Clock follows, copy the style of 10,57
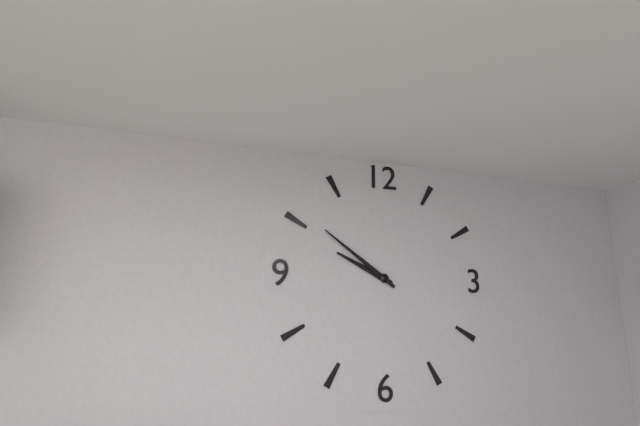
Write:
9,51
